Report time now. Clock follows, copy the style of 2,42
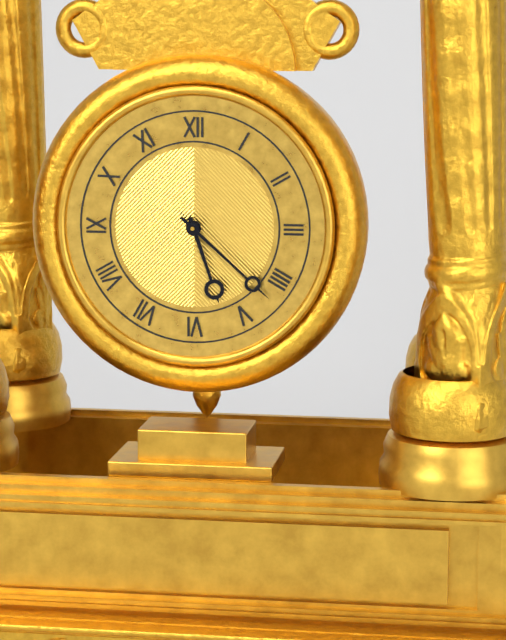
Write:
5,22
